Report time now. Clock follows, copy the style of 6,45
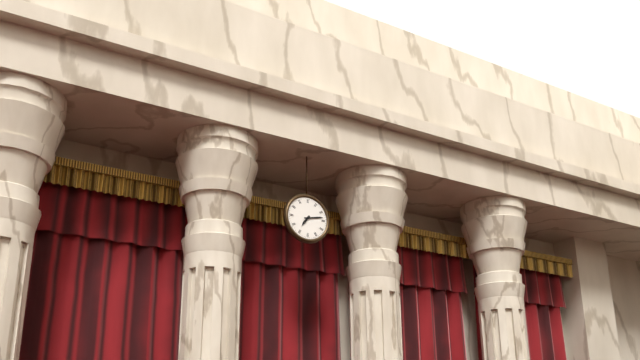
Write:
7,13
